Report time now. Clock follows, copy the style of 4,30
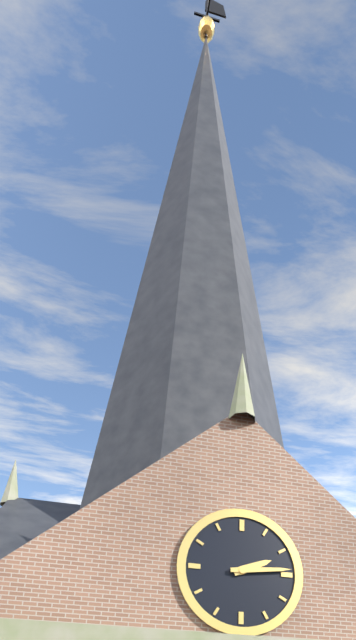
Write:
2,14
